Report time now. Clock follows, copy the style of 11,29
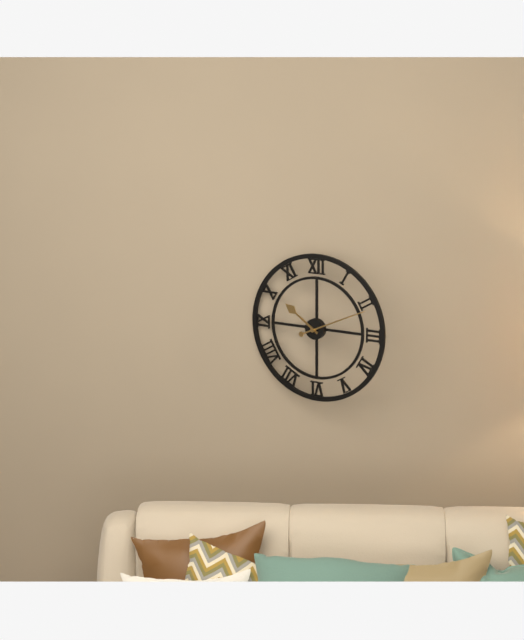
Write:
10,11
